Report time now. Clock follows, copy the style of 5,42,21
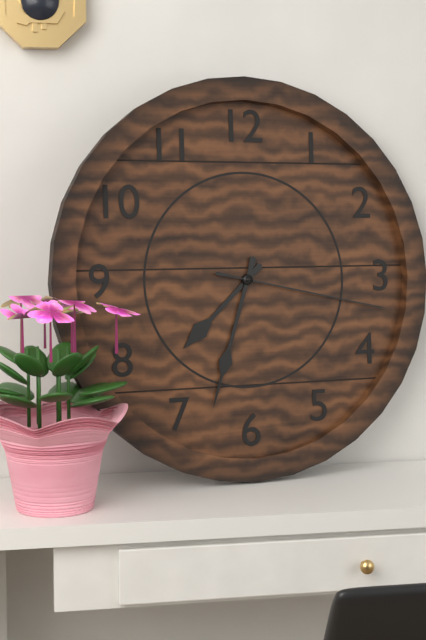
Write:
7,33,17
